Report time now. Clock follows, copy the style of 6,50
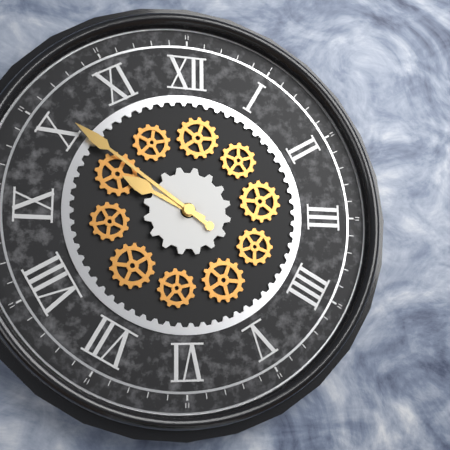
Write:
9,51
